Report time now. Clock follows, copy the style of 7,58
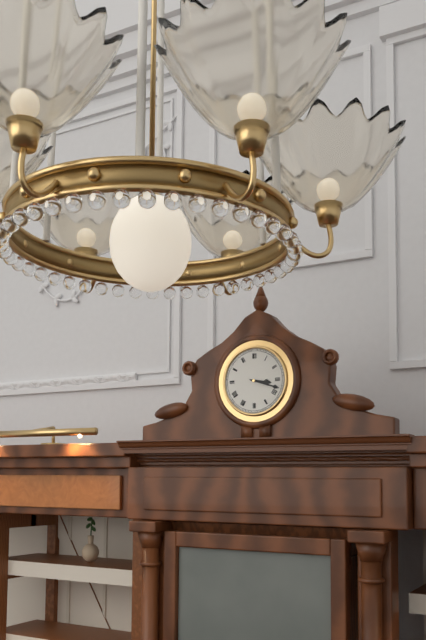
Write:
3,18
